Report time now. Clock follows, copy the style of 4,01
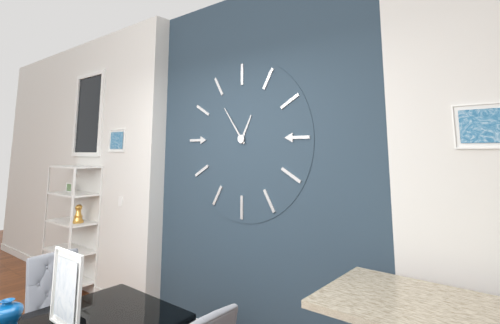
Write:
12,54
